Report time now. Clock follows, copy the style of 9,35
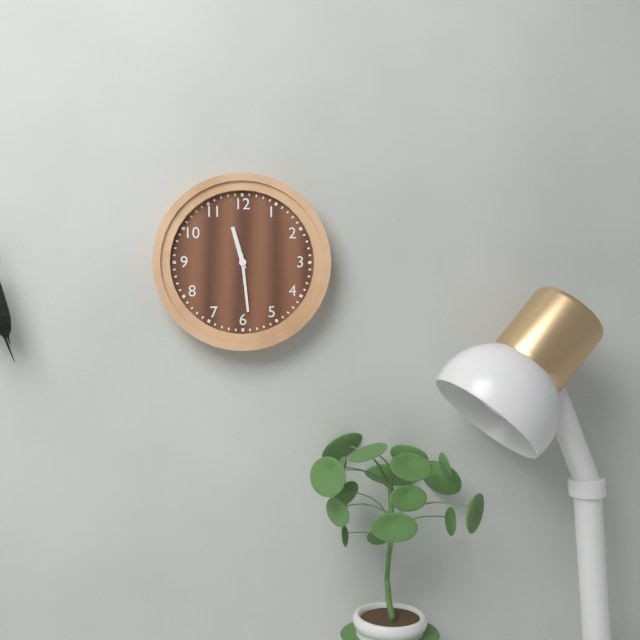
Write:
11,29
